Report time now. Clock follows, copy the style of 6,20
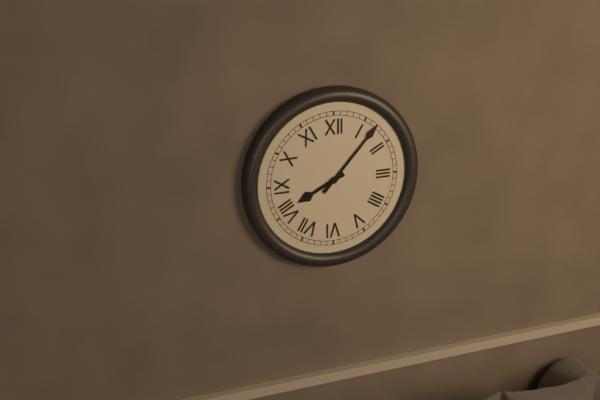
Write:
8,07
